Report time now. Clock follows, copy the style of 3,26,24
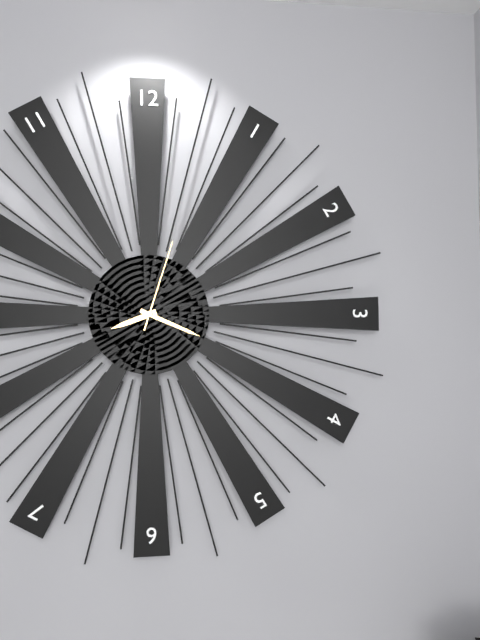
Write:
8,19,03
